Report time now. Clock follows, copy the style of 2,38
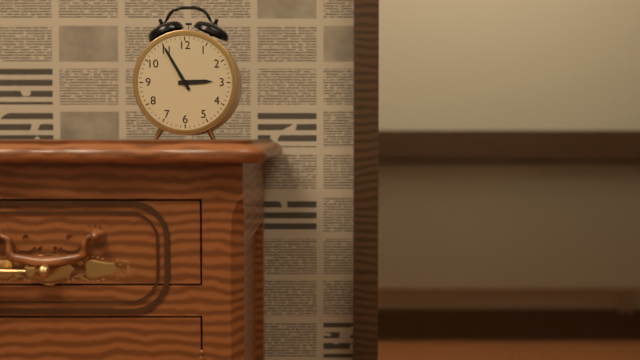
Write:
2,55
